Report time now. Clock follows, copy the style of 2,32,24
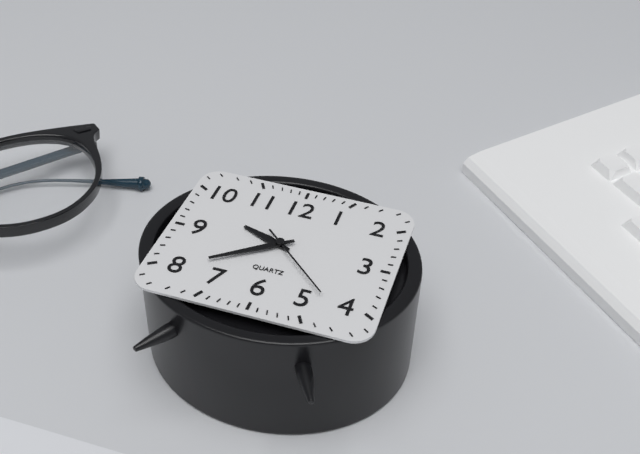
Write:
9,39,22
